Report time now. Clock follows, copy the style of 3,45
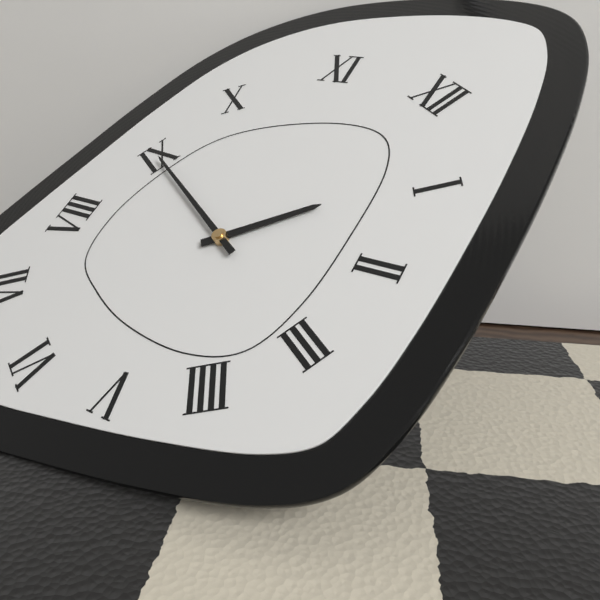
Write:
12,45
